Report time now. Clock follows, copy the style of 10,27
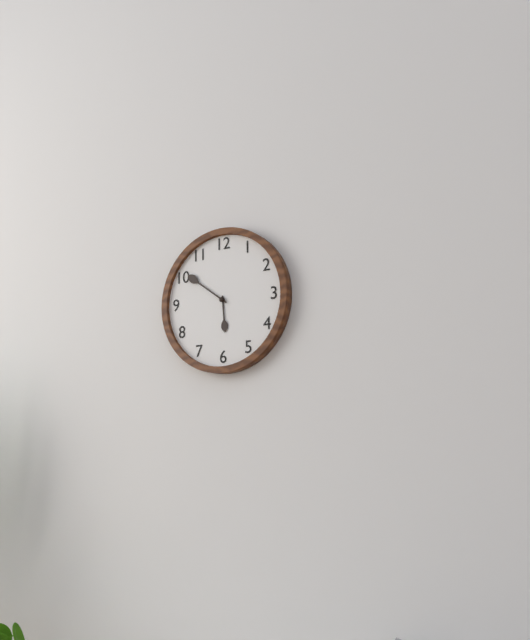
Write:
5,51
